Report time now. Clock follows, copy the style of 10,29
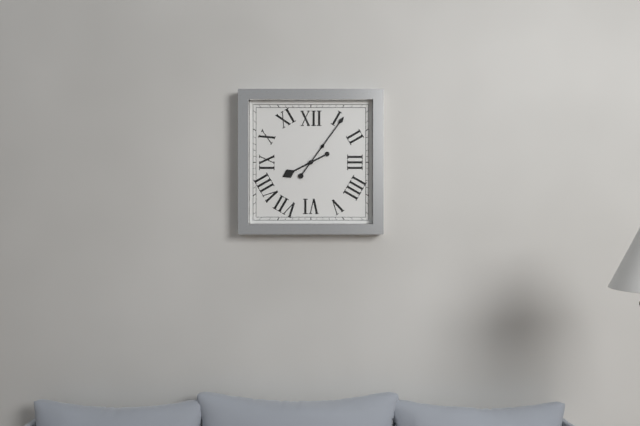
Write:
8,06
